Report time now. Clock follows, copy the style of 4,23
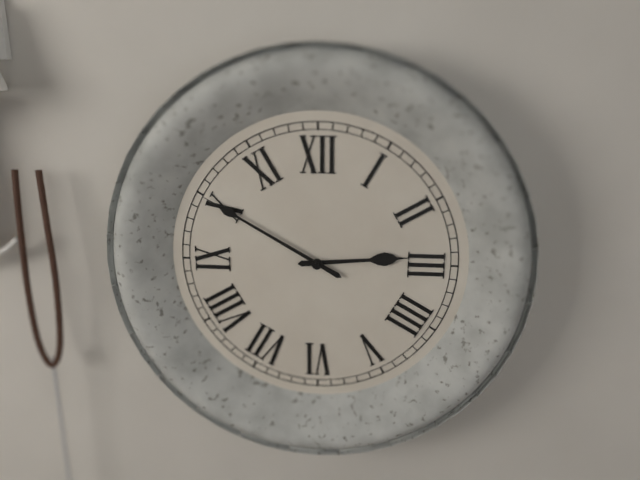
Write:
2,50
